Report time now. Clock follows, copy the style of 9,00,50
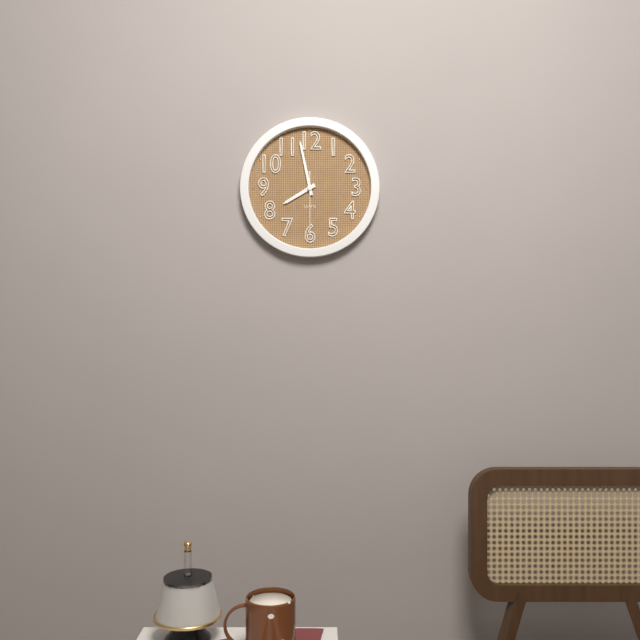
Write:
7,58,30
